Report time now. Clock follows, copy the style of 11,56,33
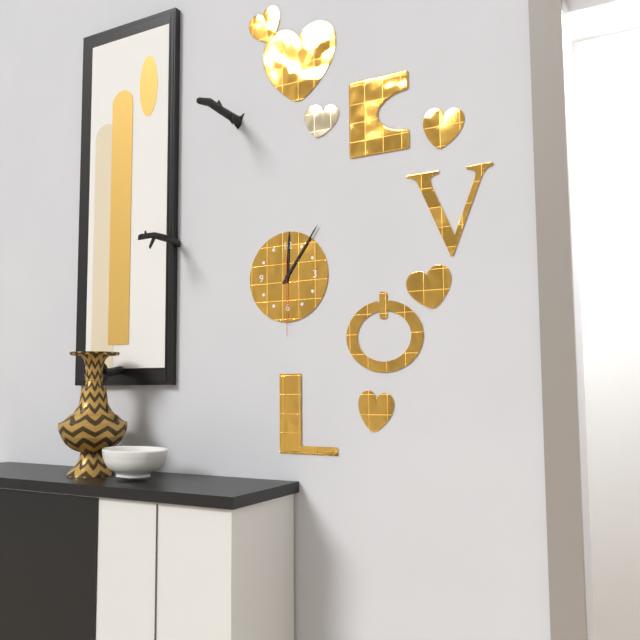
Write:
12,06,30
